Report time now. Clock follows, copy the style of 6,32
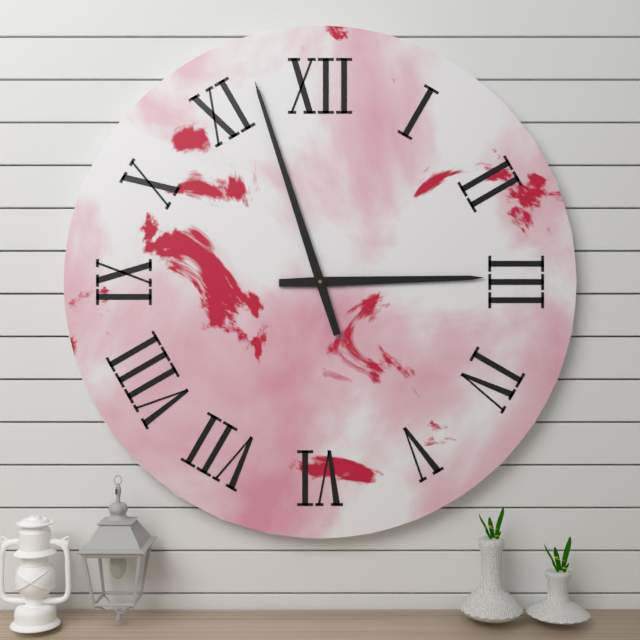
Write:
2,57
